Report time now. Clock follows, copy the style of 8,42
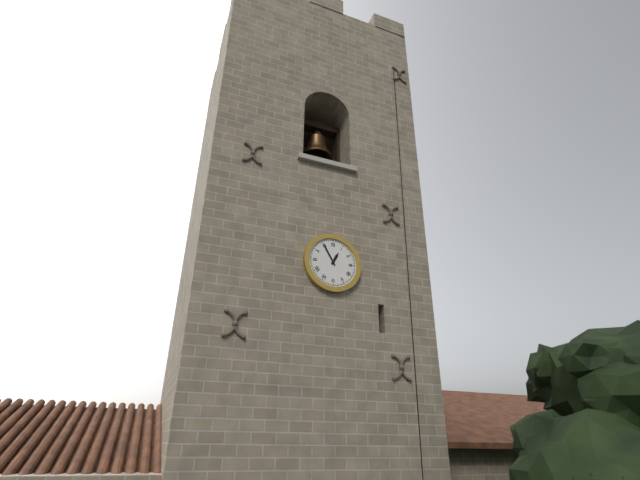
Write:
12,55
